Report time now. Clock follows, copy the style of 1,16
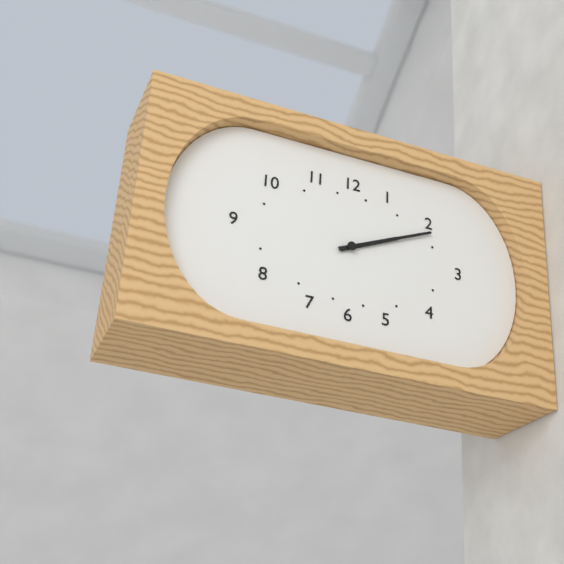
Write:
2,11
